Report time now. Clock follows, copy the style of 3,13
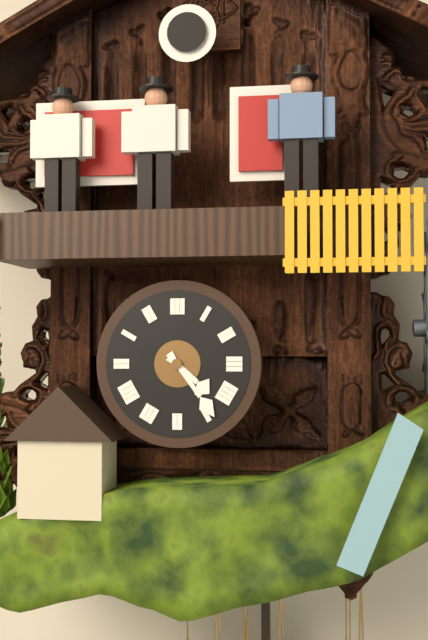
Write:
4,24
